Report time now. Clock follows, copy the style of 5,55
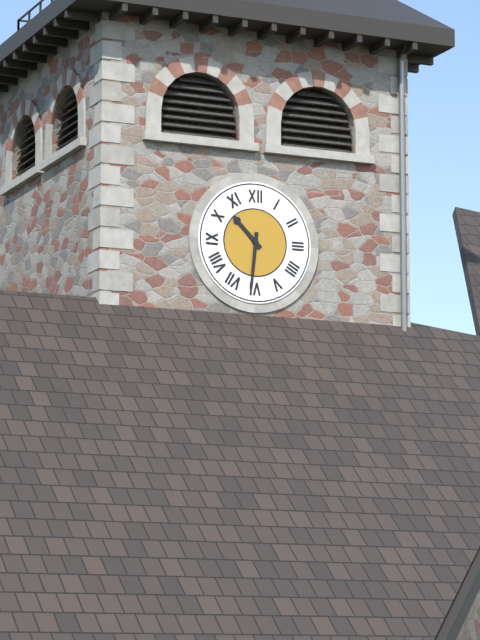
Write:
10,31
